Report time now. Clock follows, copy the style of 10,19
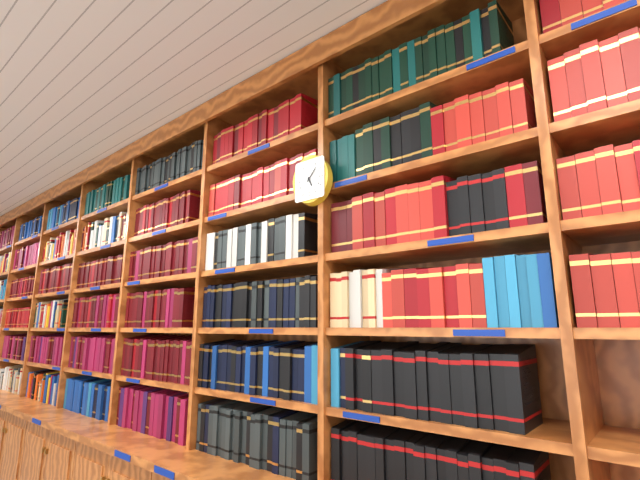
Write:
5,07
